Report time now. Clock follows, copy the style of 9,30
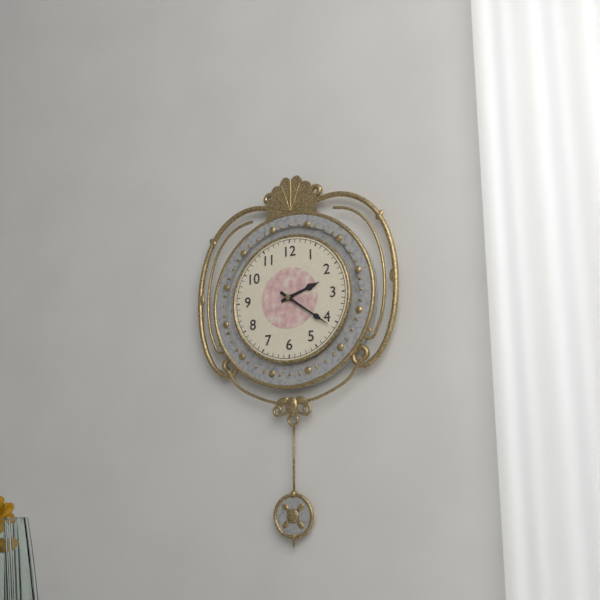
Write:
2,21
